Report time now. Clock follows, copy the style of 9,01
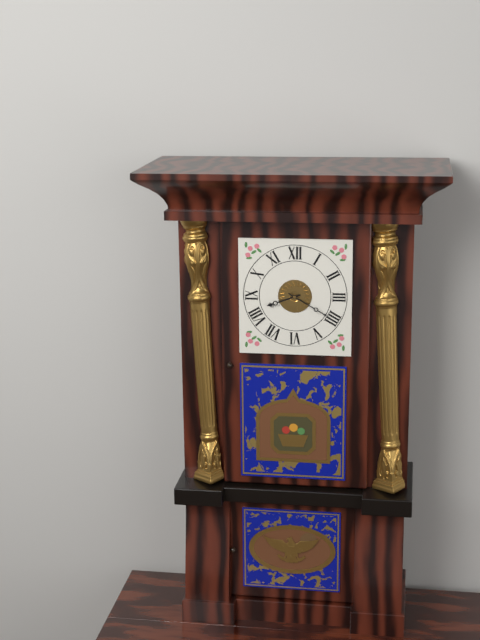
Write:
8,20
